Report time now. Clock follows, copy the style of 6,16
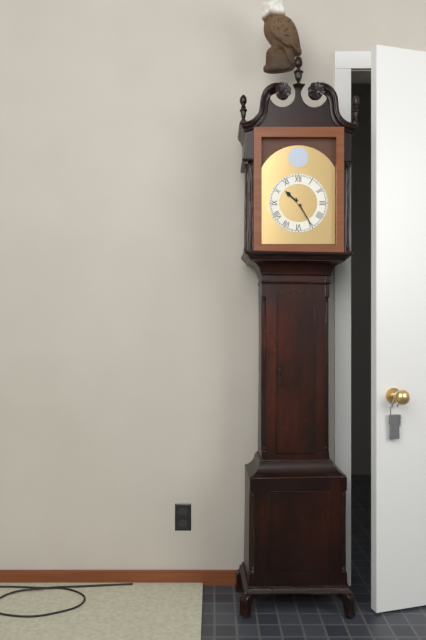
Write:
10,25
